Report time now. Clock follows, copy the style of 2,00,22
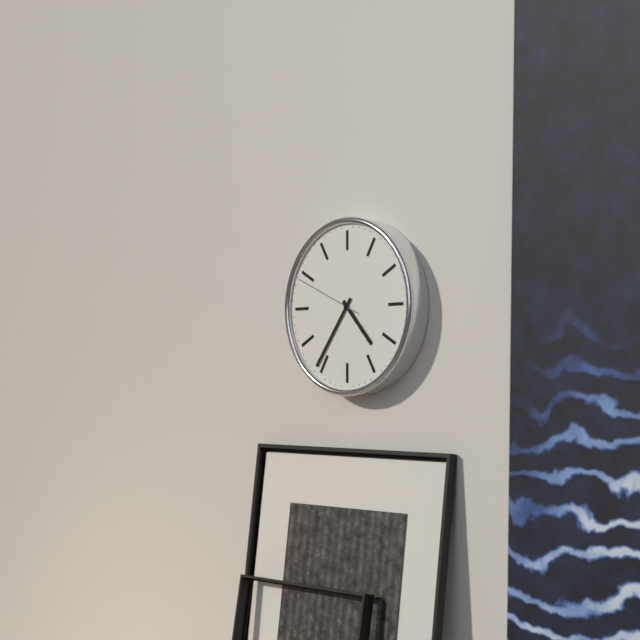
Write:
4,36,49
